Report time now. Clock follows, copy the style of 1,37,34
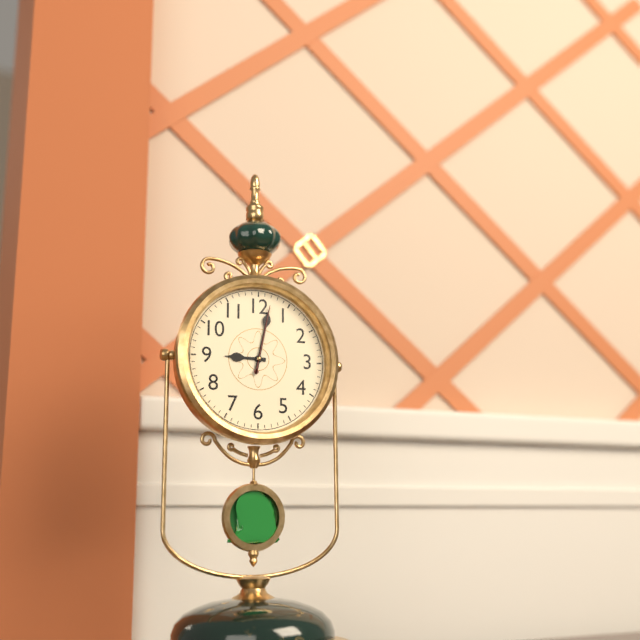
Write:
9,02,02
